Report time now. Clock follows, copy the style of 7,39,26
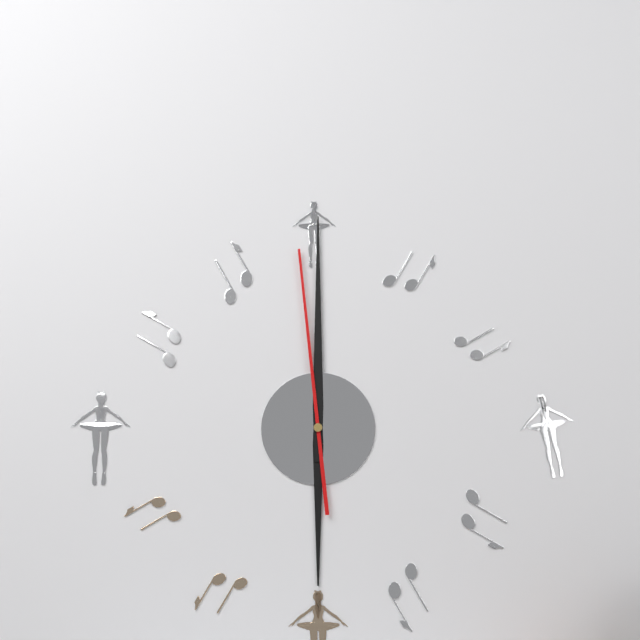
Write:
6,00,59
